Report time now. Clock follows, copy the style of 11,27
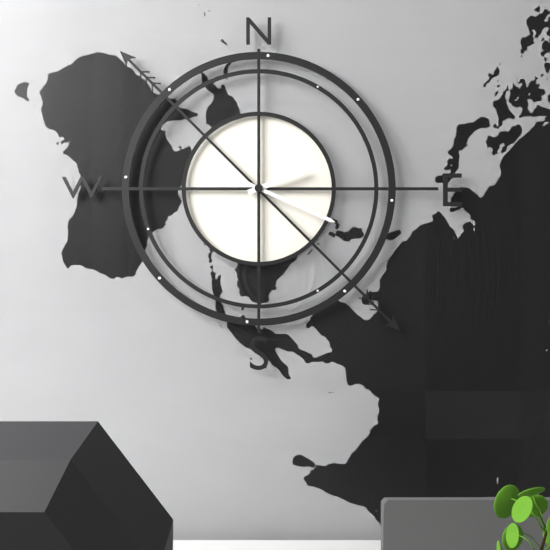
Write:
2,19
